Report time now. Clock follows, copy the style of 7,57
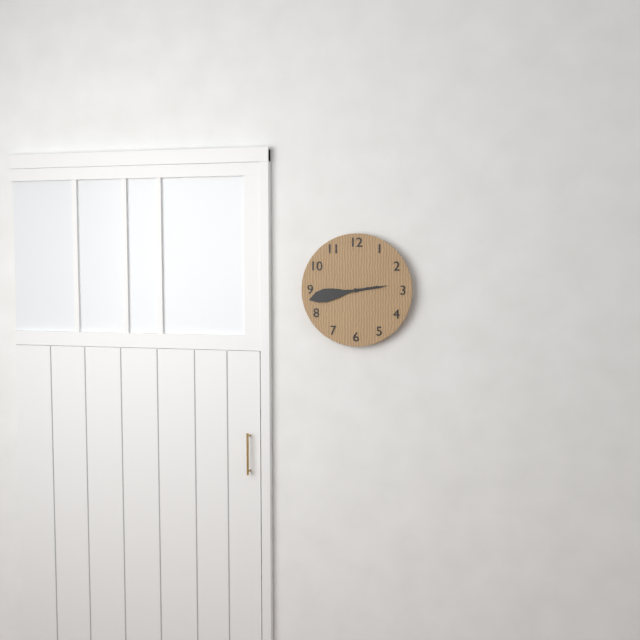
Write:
2,43
